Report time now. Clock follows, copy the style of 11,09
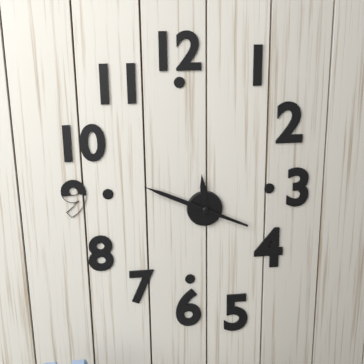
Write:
11,49
